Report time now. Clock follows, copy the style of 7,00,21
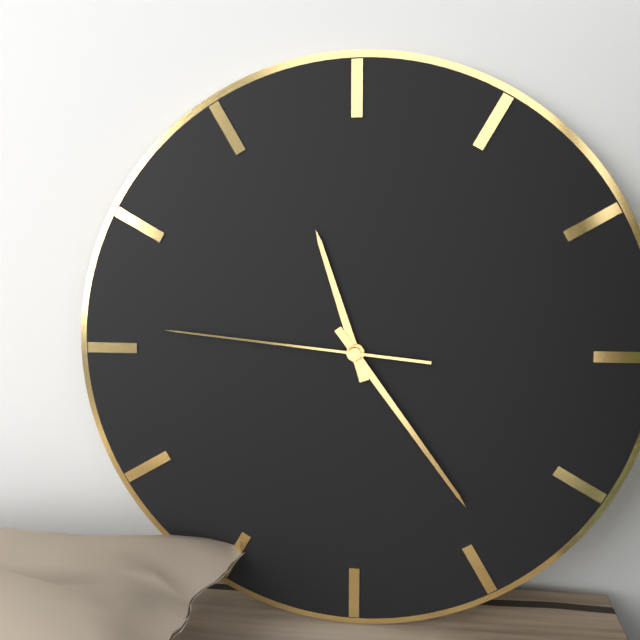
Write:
11,24,46
